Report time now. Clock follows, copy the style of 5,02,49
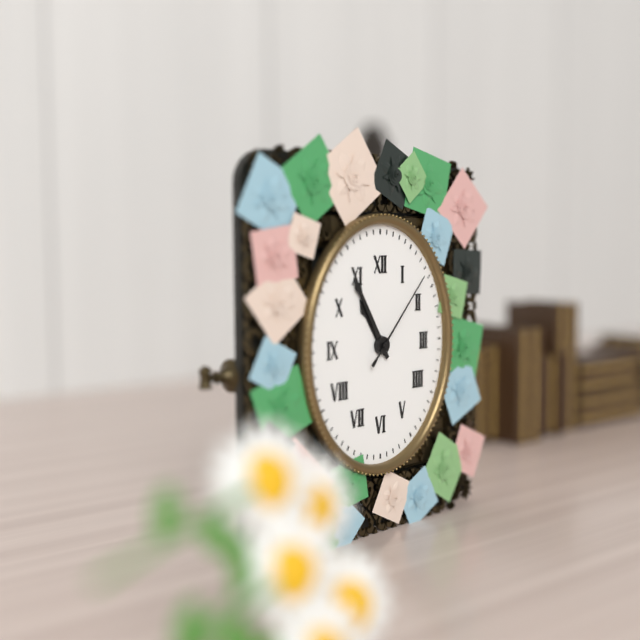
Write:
10,55,07
